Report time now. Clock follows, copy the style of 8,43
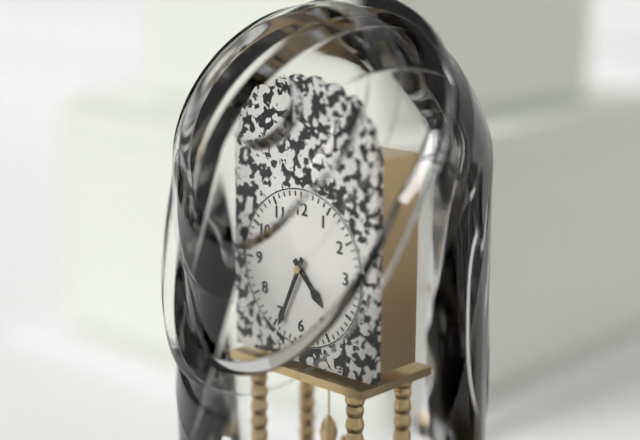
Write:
4,34
